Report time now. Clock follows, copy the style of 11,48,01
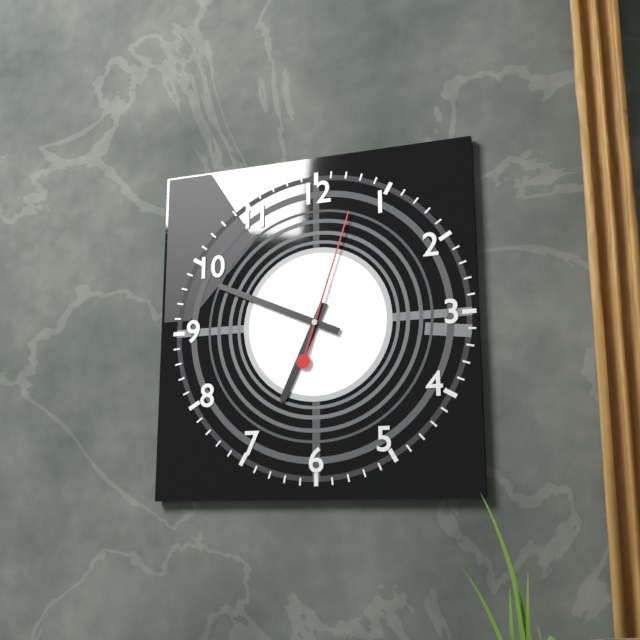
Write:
6,49,03
